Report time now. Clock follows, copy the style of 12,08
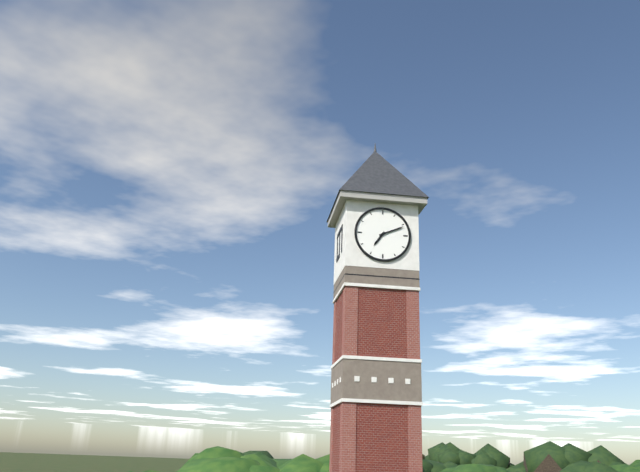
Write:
7,11
